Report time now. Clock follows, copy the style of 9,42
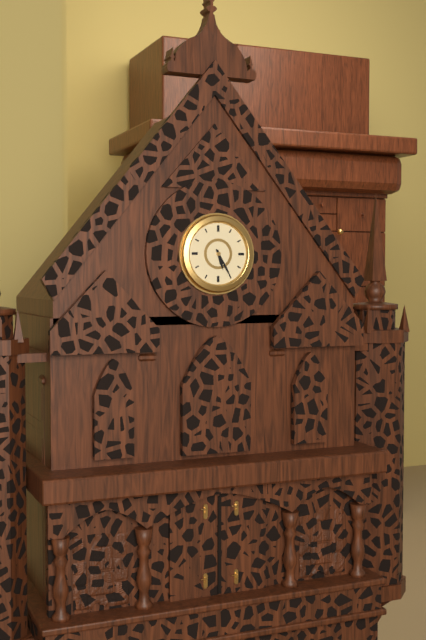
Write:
5,25
